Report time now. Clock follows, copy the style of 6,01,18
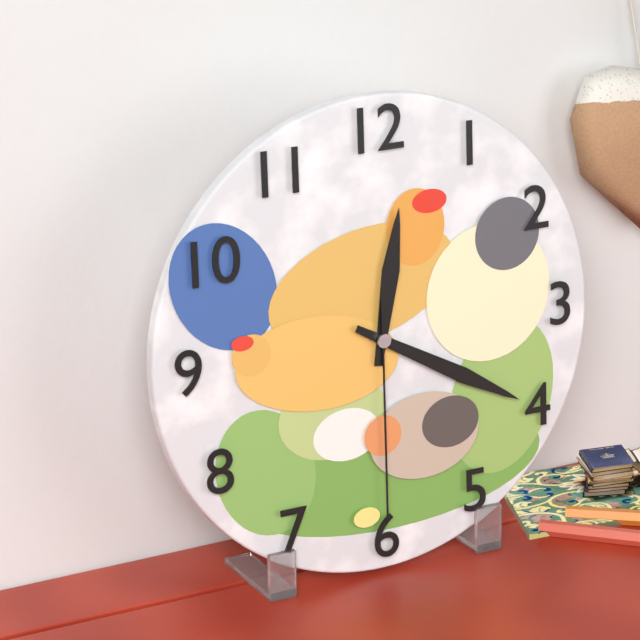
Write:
12,20,30
